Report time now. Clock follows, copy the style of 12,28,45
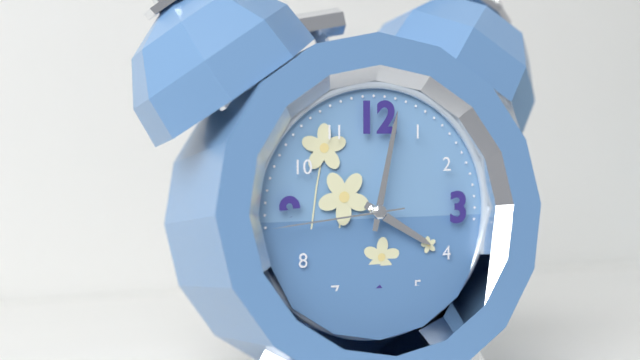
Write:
4,02,44
